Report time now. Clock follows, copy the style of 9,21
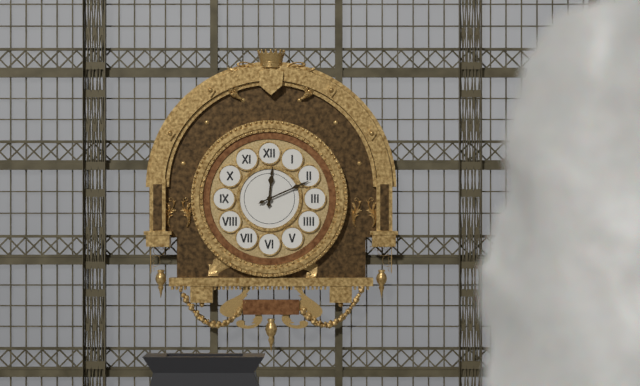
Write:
12,11
